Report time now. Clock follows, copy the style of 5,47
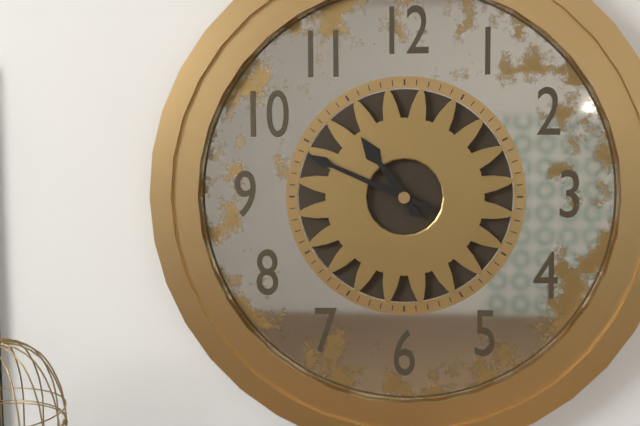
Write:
10,49
